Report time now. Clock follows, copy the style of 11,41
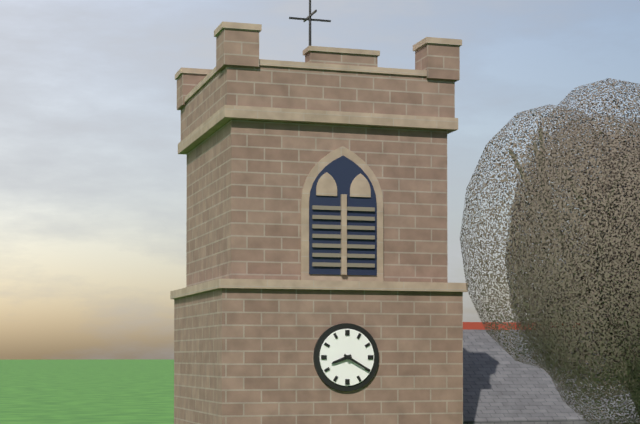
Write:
8,20
